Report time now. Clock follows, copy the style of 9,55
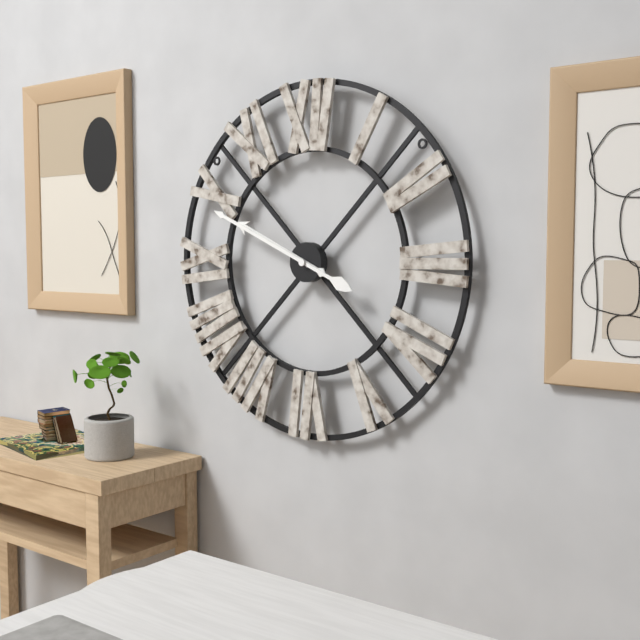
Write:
9,49
